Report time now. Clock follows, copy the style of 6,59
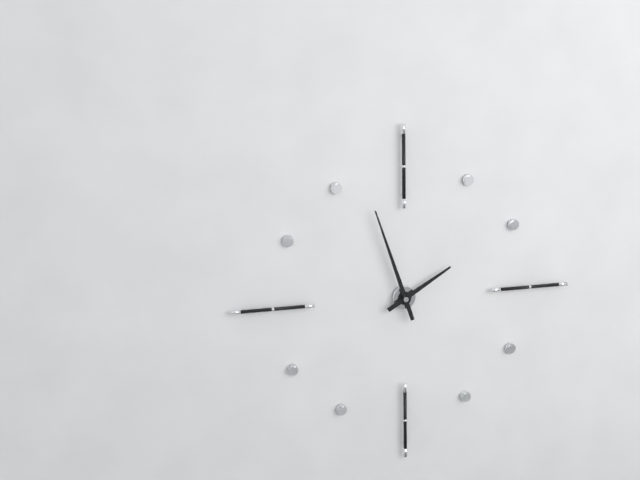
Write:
1,57
